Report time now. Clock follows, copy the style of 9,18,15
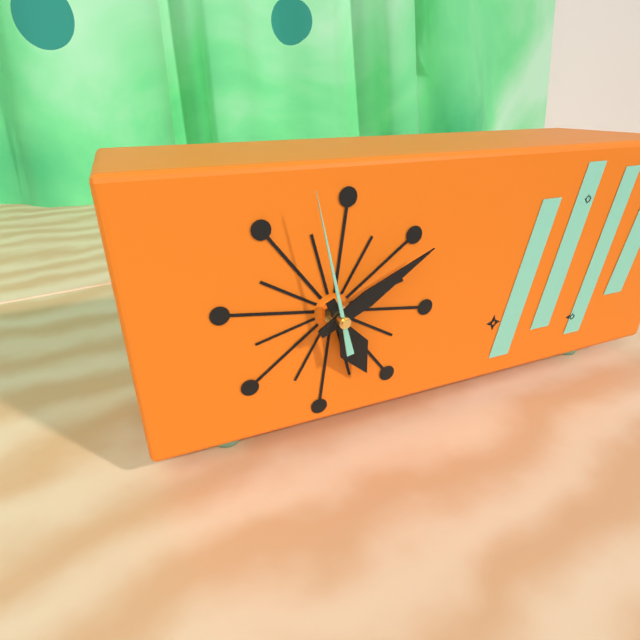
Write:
5,10,58
